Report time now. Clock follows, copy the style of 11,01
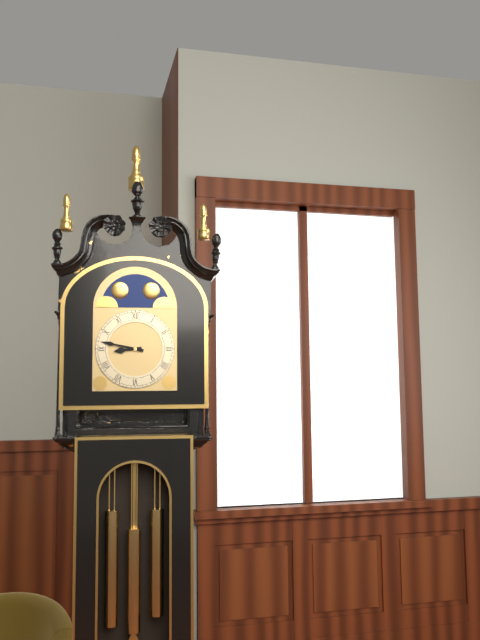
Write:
8,47
